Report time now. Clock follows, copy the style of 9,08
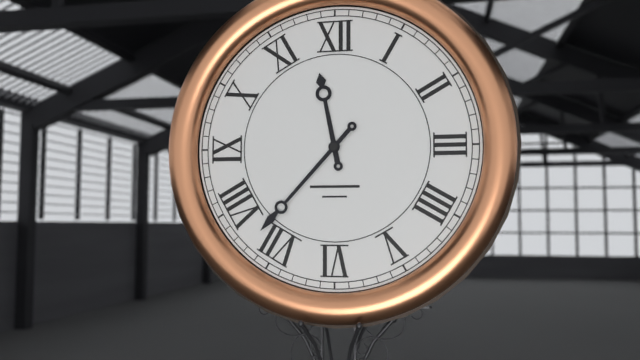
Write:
11,37
